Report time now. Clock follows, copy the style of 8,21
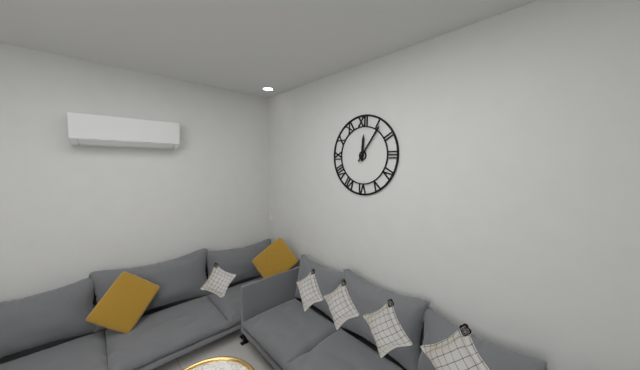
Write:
12,06
